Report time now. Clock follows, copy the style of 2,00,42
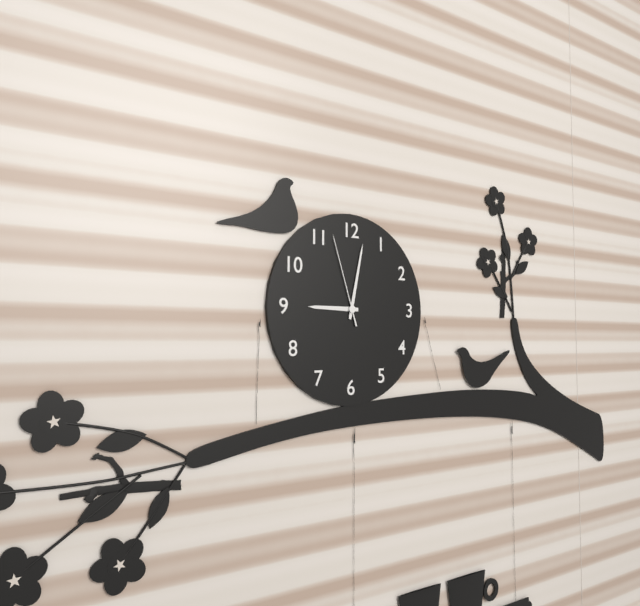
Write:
9,02,57
